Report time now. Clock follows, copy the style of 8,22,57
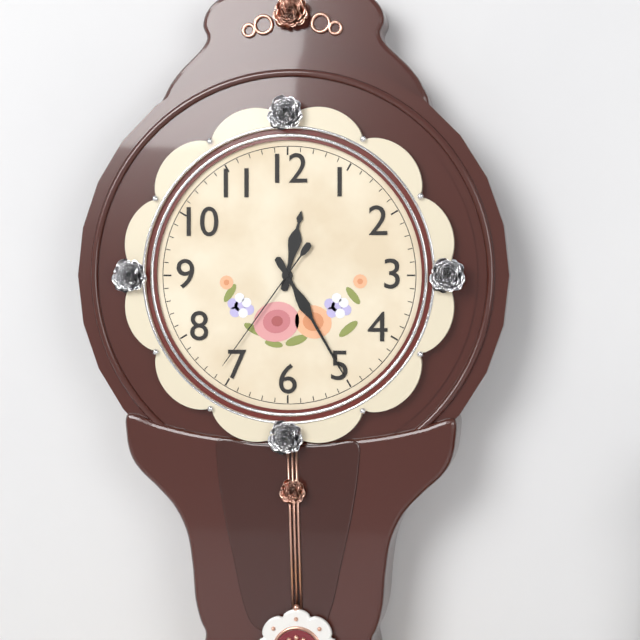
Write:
12,25,36
